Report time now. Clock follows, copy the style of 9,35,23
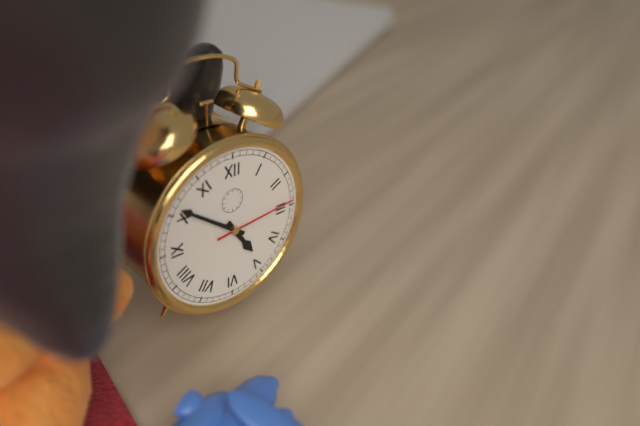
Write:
4,51,14
